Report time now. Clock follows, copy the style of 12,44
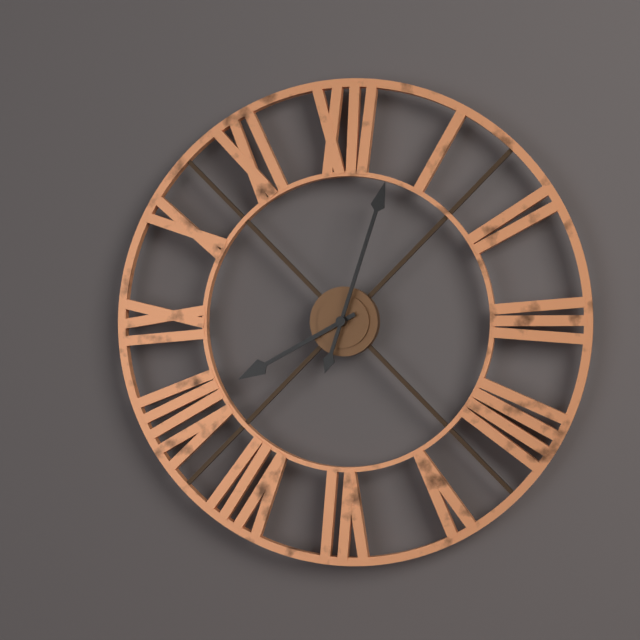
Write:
8,03
